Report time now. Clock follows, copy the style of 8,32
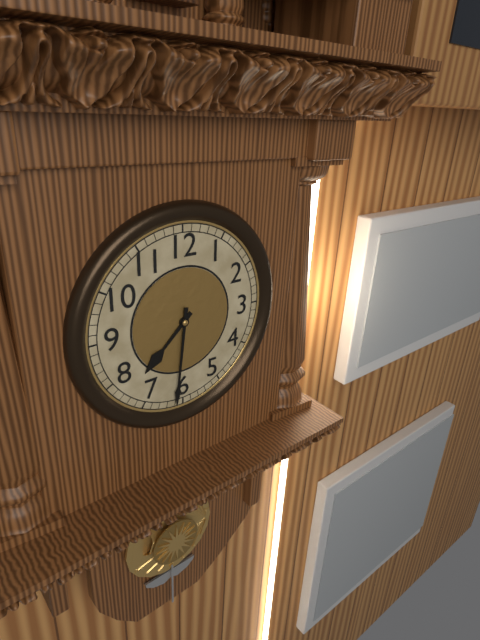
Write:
7,31
